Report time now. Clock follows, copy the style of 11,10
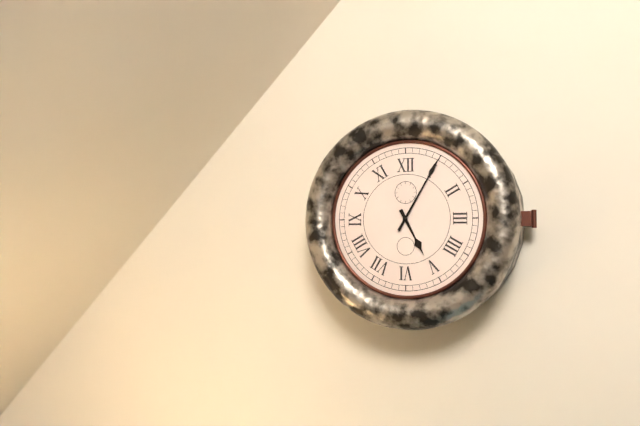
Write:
5,05
